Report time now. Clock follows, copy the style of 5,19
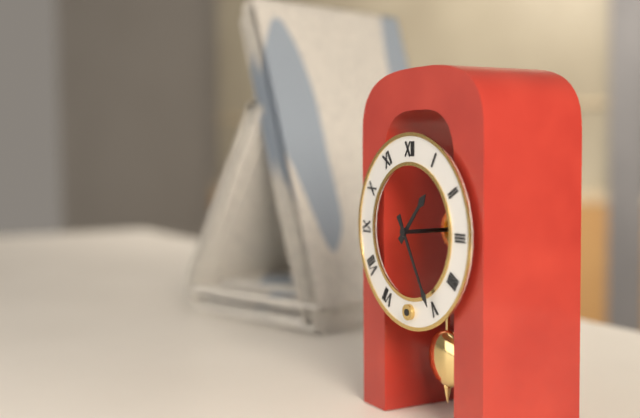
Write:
1,25
